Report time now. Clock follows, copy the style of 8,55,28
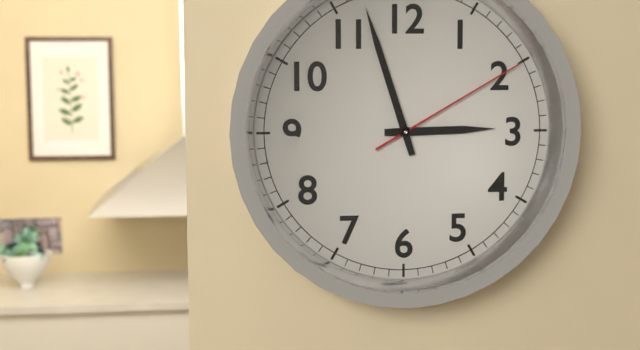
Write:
2,57,10
